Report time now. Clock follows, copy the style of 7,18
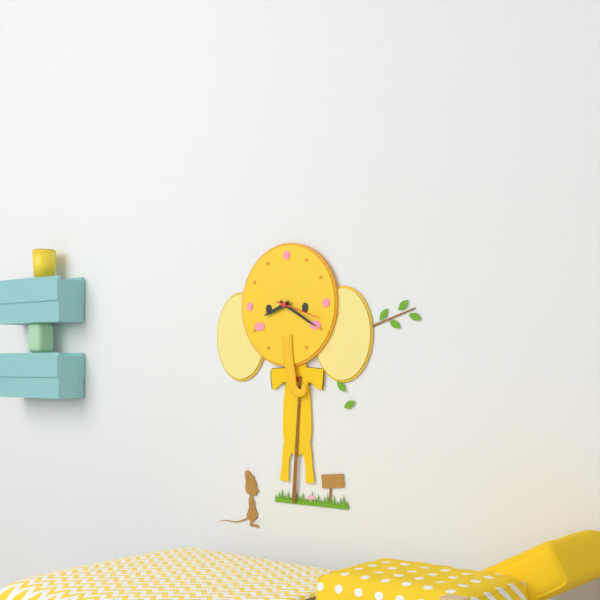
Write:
8,20
